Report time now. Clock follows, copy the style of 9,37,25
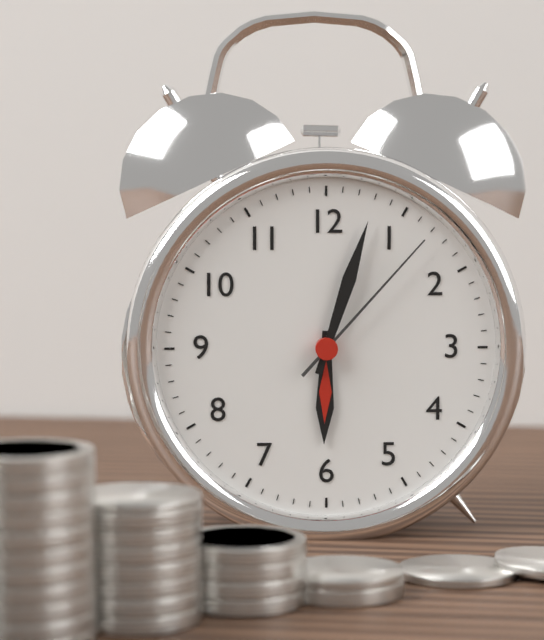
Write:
6,03,07
